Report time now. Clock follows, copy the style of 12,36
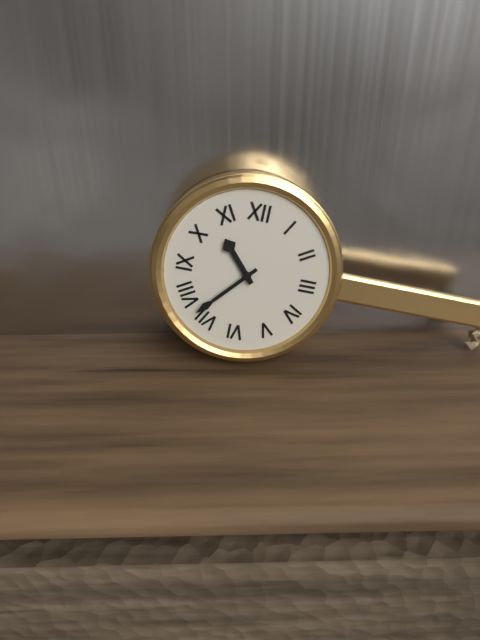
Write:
10,37
